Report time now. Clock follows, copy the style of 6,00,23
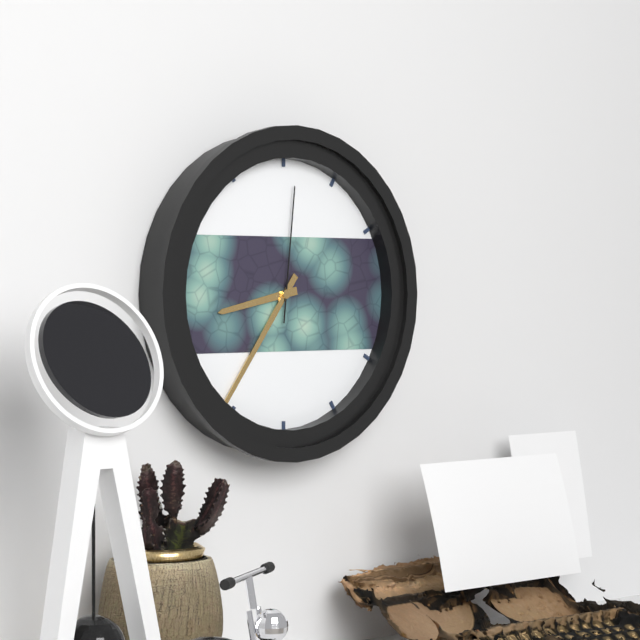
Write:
8,36,01
